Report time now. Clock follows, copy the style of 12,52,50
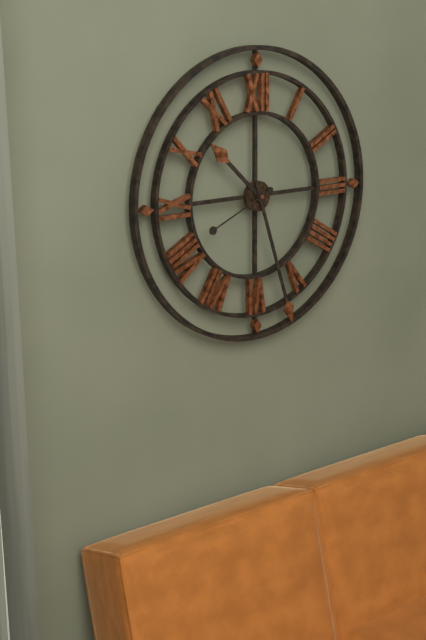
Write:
10,27,41
